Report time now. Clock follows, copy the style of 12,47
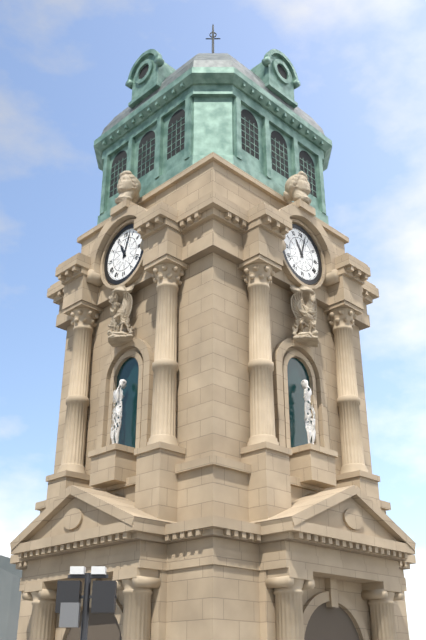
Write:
11,03
